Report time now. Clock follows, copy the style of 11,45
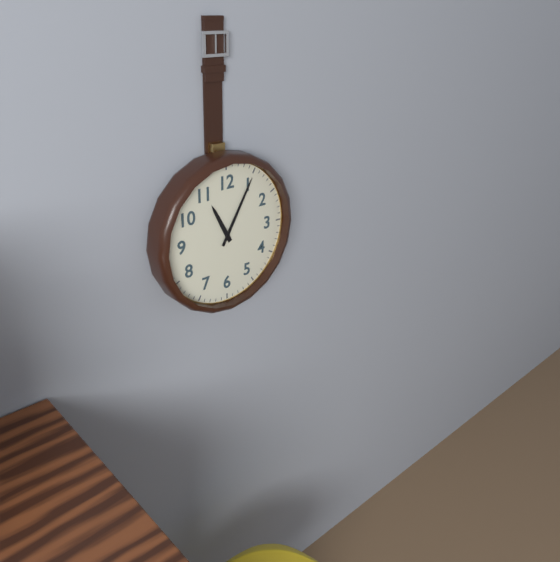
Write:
11,05
